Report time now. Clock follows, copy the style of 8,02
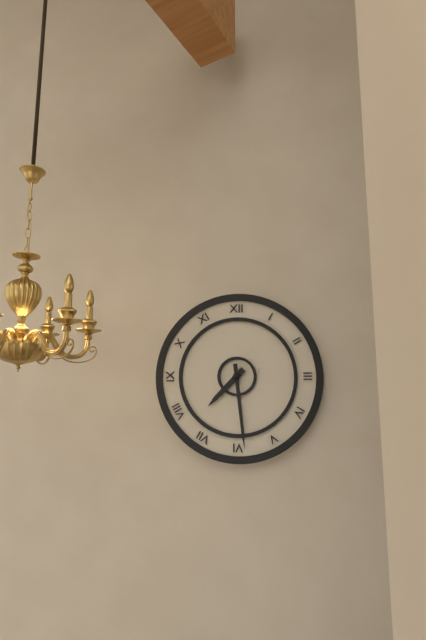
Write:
7,29
